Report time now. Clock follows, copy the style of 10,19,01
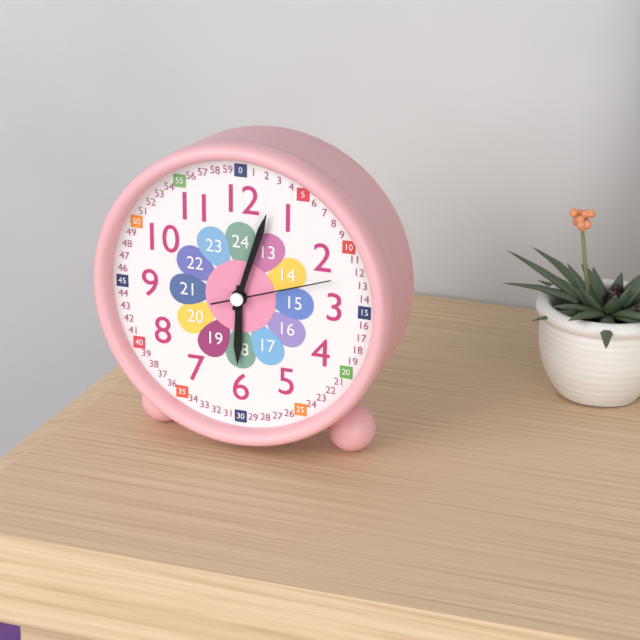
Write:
6,03,12
